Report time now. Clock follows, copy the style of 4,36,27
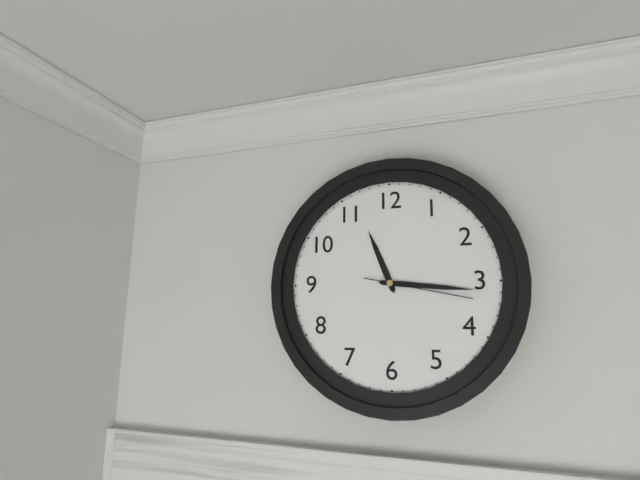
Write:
11,16,17
